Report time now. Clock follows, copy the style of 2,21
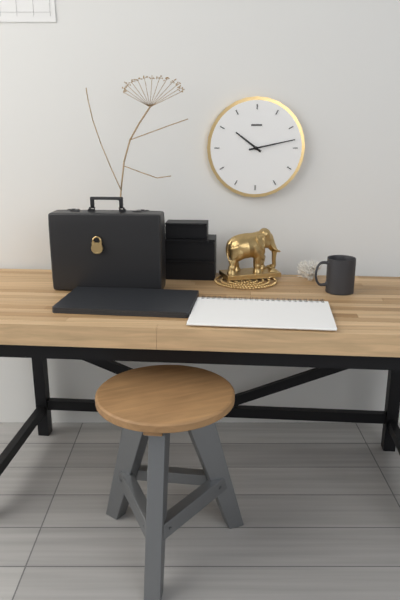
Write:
10,13
